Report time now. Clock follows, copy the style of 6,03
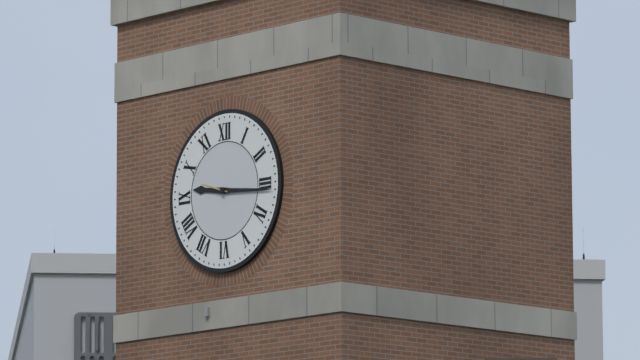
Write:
9,16
